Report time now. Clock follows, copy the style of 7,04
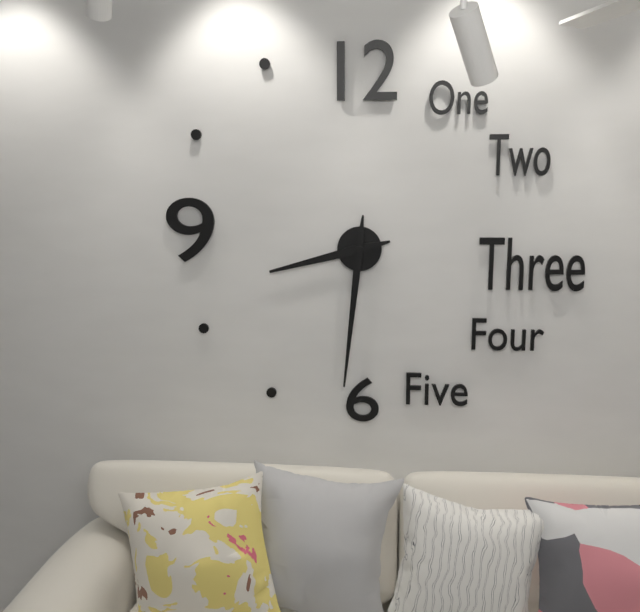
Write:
8,31
